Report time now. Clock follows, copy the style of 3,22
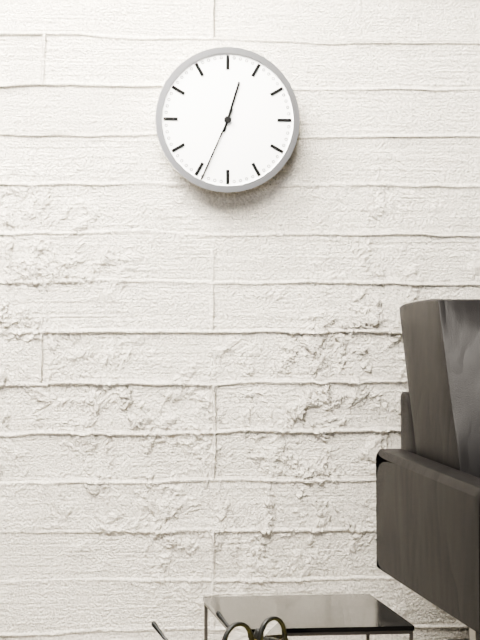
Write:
12,34
